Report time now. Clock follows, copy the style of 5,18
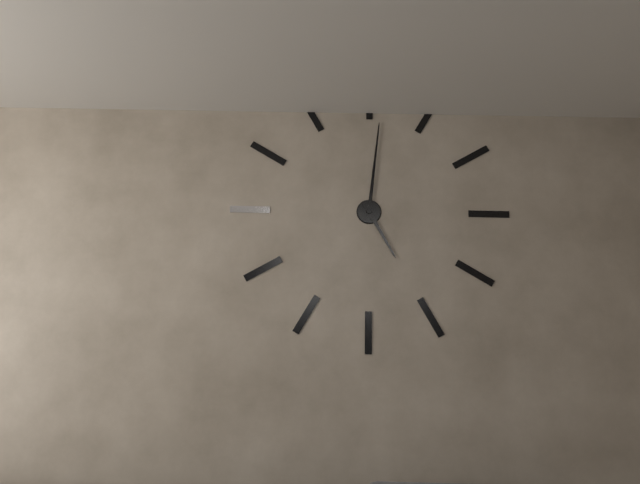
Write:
5,01
